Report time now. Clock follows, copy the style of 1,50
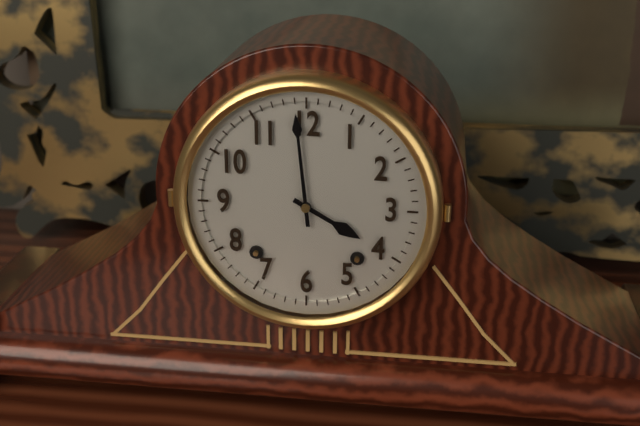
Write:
3,59
